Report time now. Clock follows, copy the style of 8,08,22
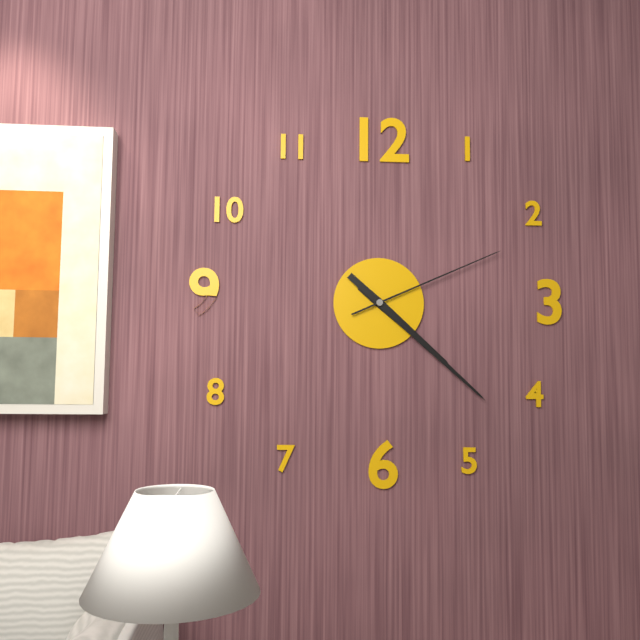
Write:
4,22,11
